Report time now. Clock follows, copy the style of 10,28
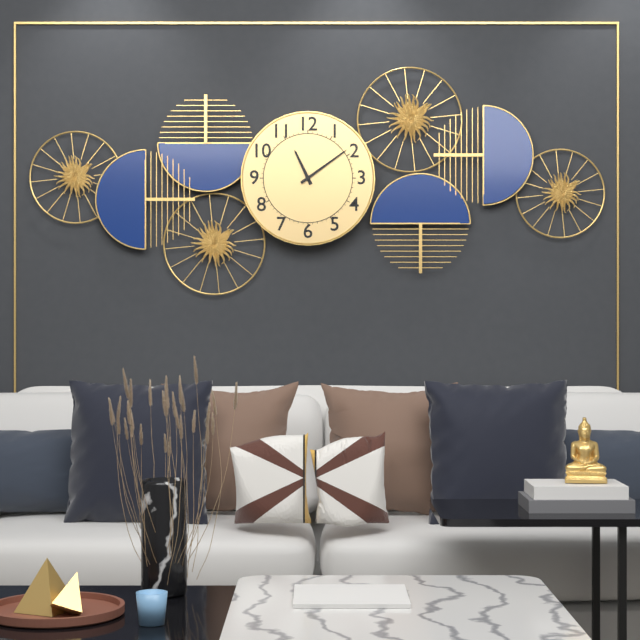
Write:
11,09
